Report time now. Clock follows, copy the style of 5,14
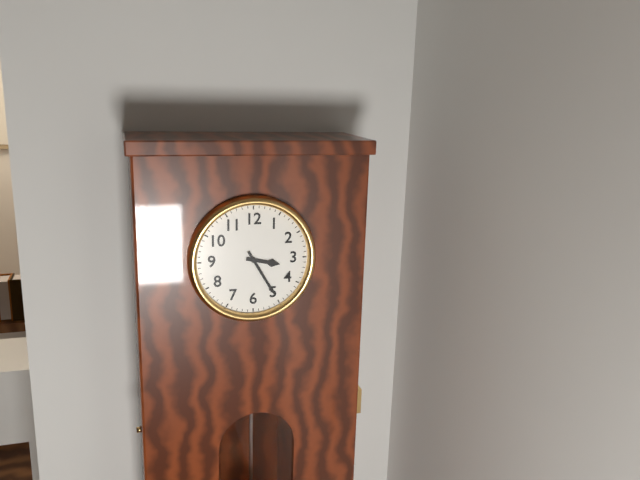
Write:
3,25
